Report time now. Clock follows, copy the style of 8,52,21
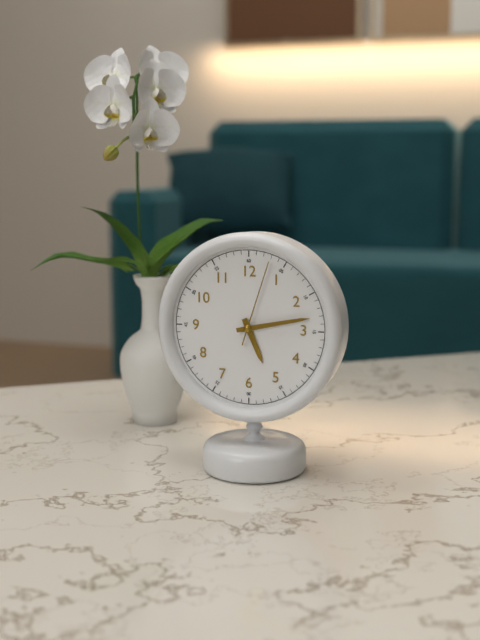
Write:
5,13,03
